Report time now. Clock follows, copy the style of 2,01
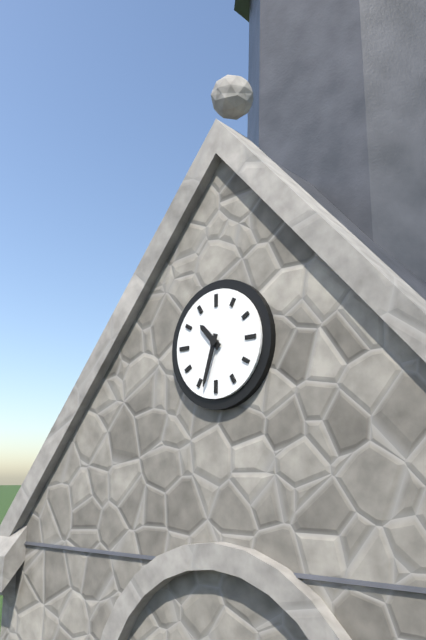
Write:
10,33
